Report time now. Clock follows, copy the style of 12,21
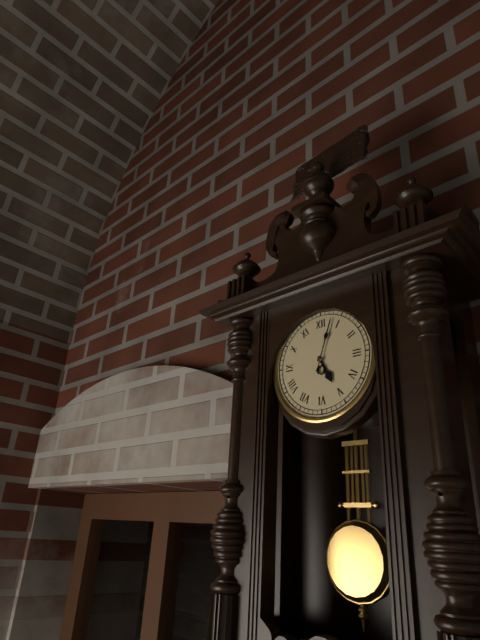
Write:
5,03
